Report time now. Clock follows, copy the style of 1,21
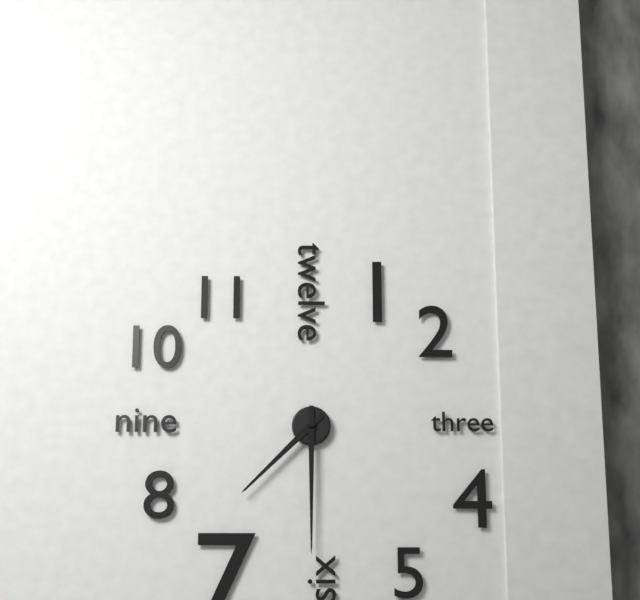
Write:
7,30
